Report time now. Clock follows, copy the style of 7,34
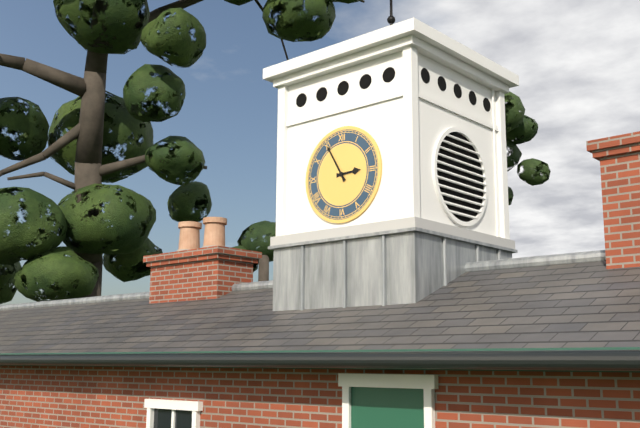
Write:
2,55
